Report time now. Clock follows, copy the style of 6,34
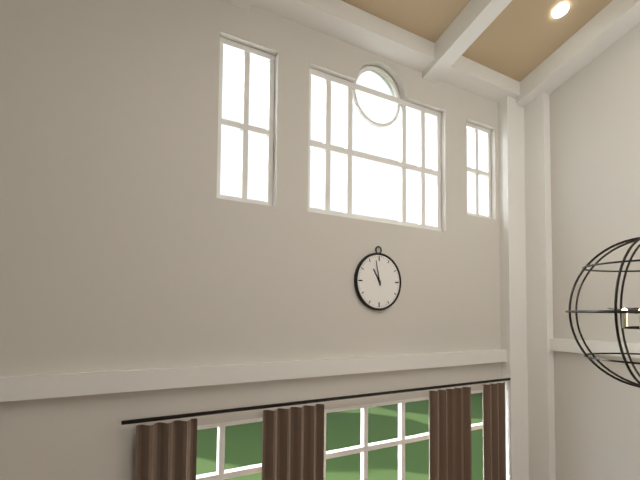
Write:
10,58
